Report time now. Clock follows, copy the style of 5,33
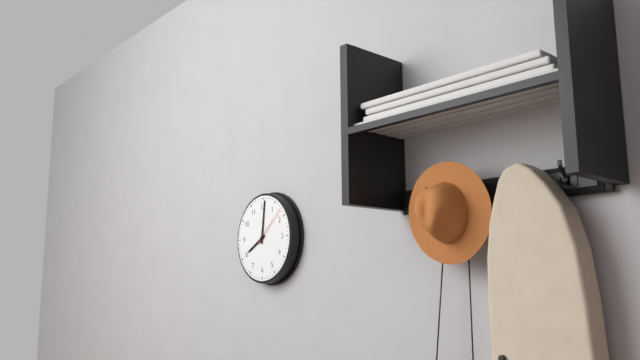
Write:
8,01
